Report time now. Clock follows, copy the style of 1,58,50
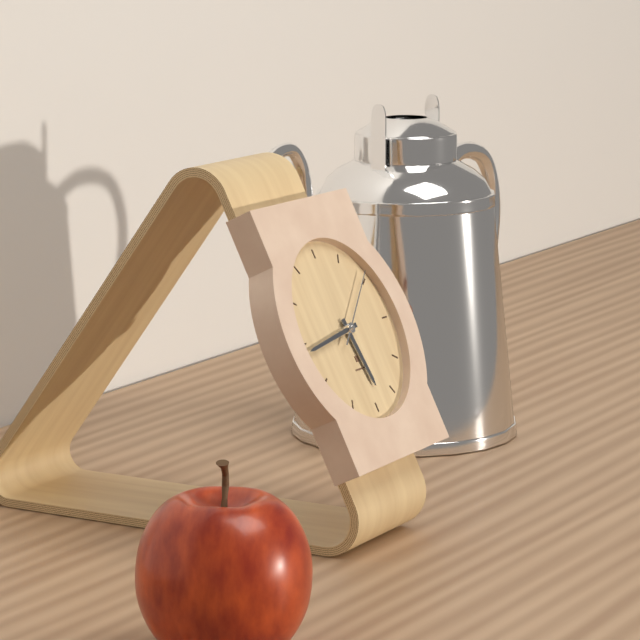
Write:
5,44,09
